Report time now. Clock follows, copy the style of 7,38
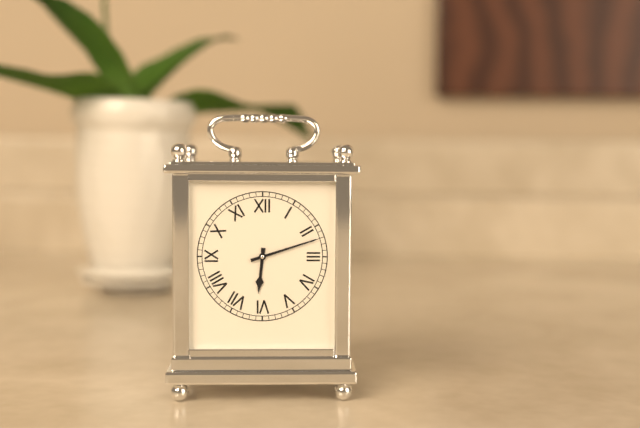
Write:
6,12
